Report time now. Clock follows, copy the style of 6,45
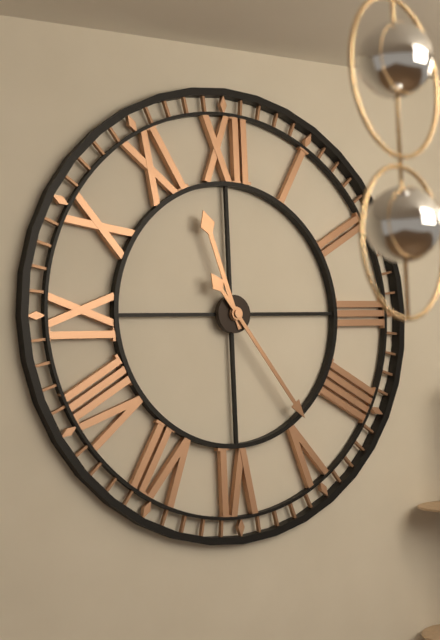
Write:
11,24
